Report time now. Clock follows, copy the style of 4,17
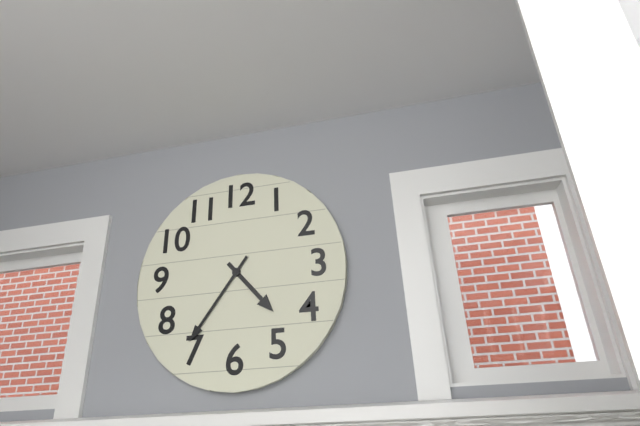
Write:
4,36
